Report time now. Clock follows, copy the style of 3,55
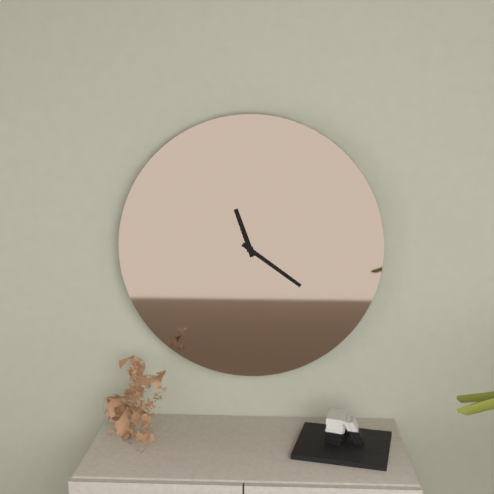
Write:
11,21
